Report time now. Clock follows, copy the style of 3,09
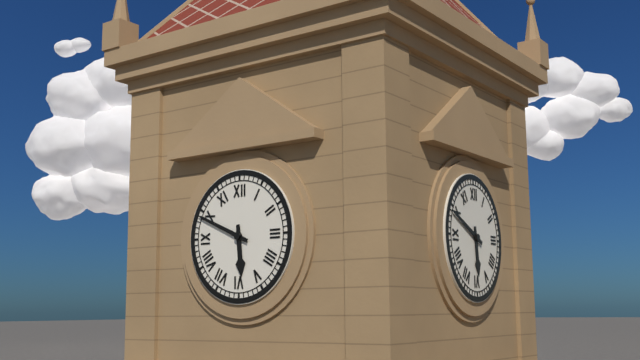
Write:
5,49
